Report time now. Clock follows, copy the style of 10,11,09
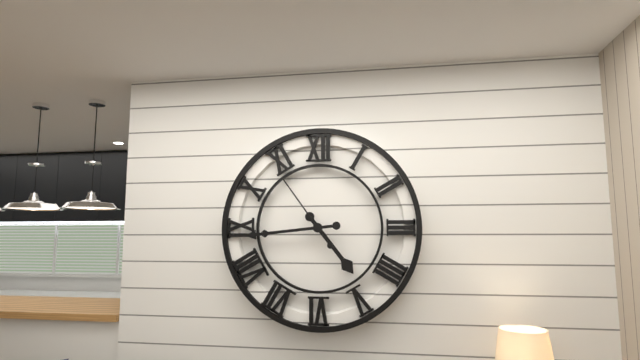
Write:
4,44,54
